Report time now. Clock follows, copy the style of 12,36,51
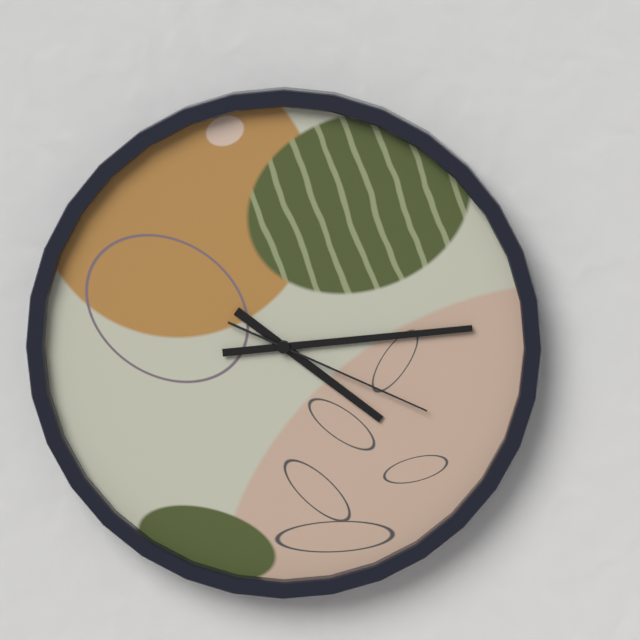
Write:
4,14,19
